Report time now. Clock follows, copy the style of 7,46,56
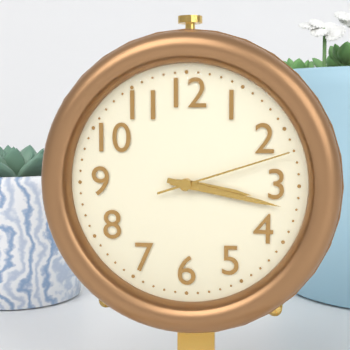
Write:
3,17,12
